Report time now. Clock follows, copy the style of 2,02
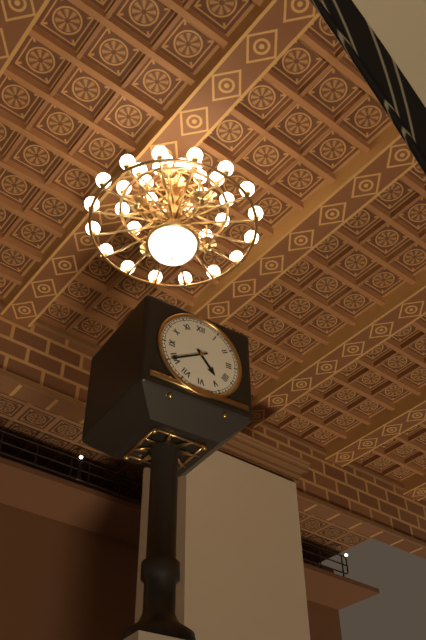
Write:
4,40
